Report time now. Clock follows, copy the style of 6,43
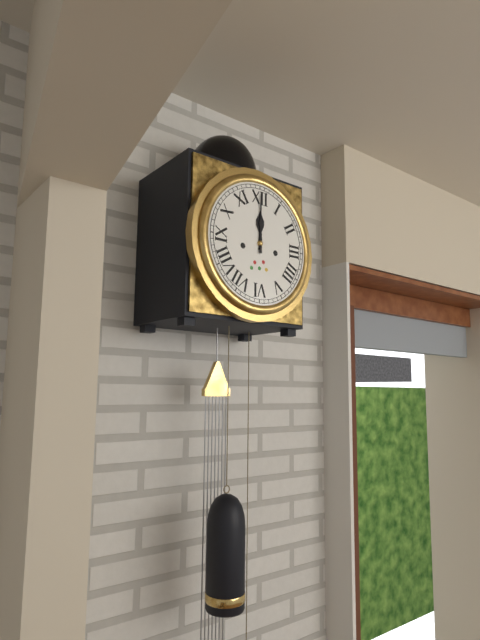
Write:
12,00
